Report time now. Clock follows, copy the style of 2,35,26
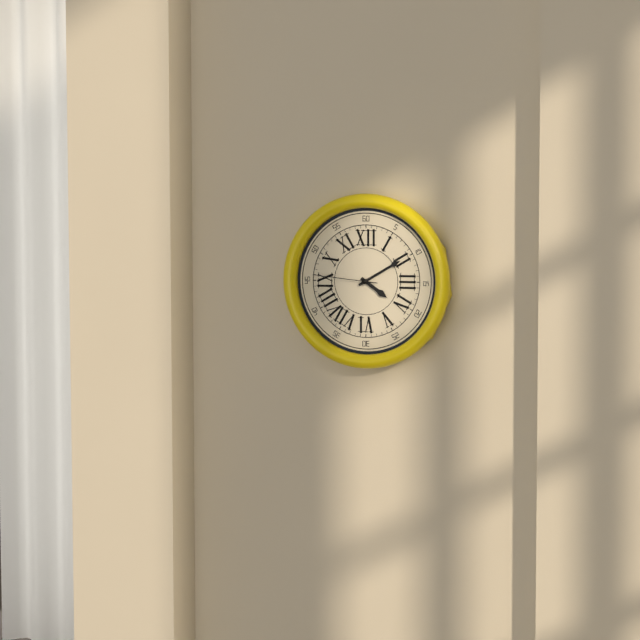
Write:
4,10,46
